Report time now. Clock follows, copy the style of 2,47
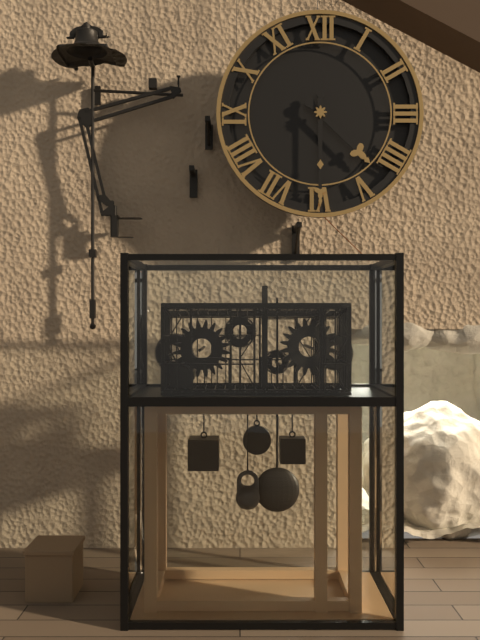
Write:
4,30
